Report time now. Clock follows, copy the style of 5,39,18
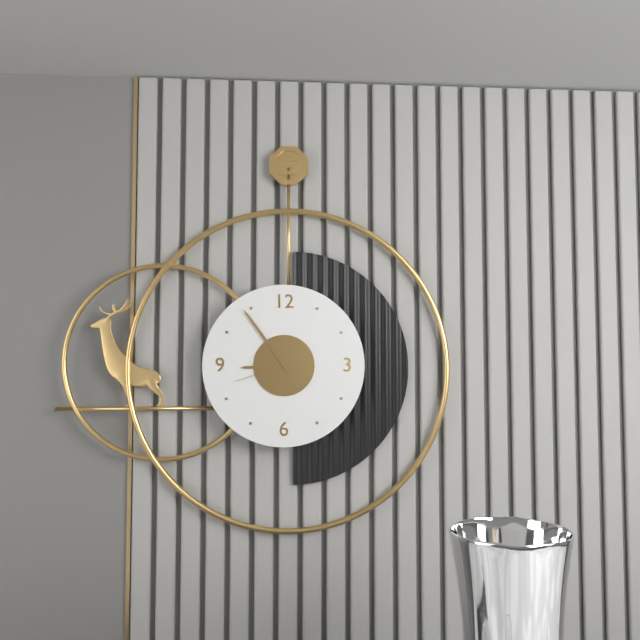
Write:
8,54,42
